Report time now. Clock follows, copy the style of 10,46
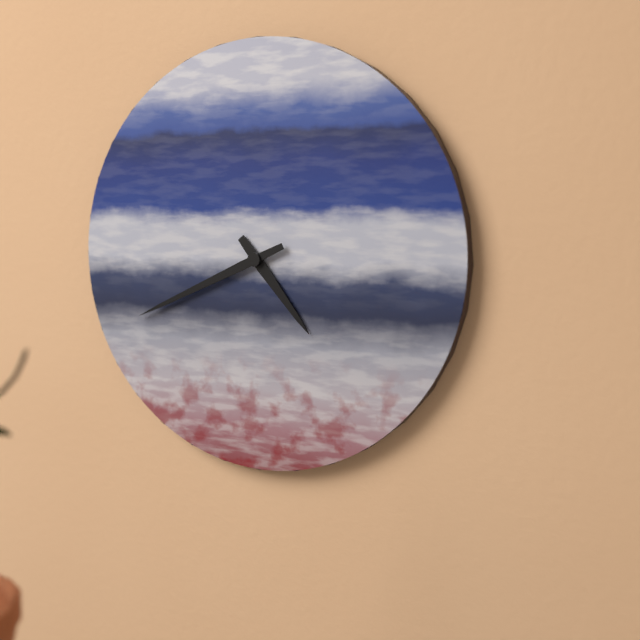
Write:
4,41
